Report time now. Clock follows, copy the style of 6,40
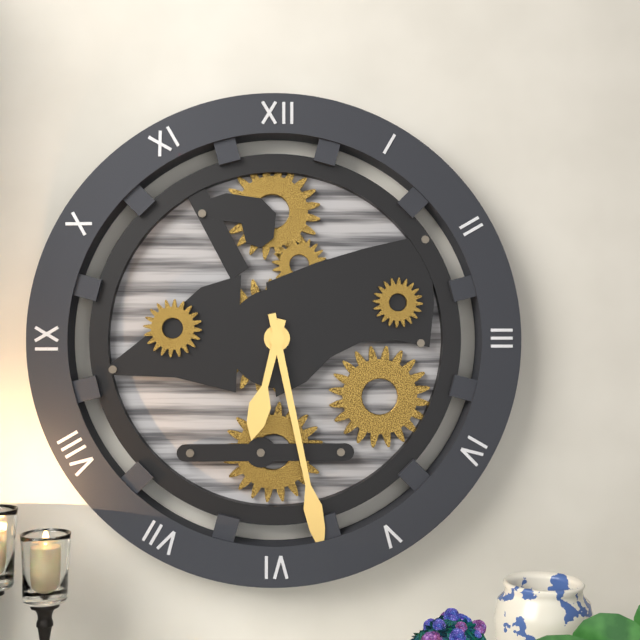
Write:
6,28
